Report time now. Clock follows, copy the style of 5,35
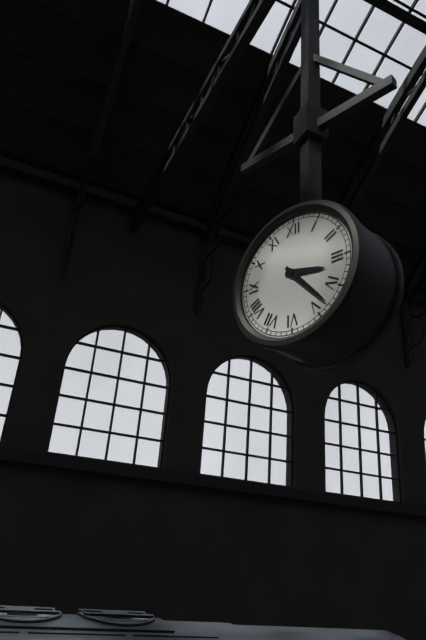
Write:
3,23
